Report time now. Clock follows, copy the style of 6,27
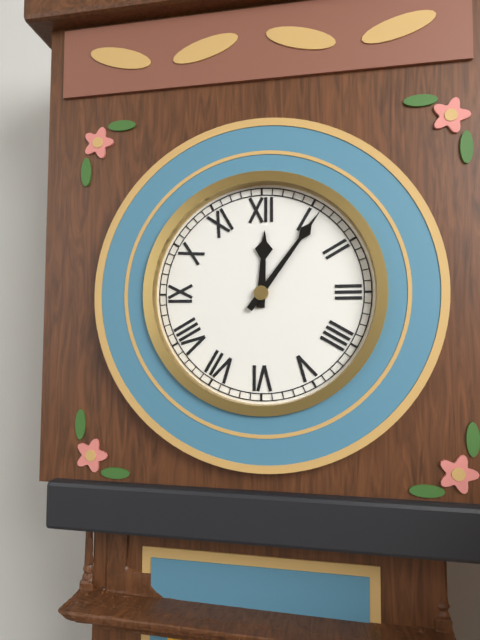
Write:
12,06
